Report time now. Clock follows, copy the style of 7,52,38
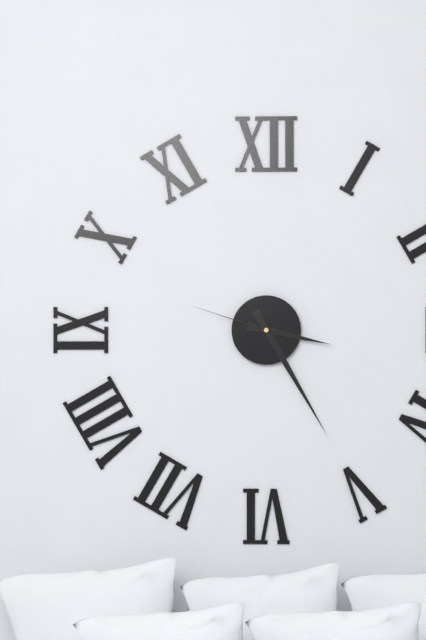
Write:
3,25,48
